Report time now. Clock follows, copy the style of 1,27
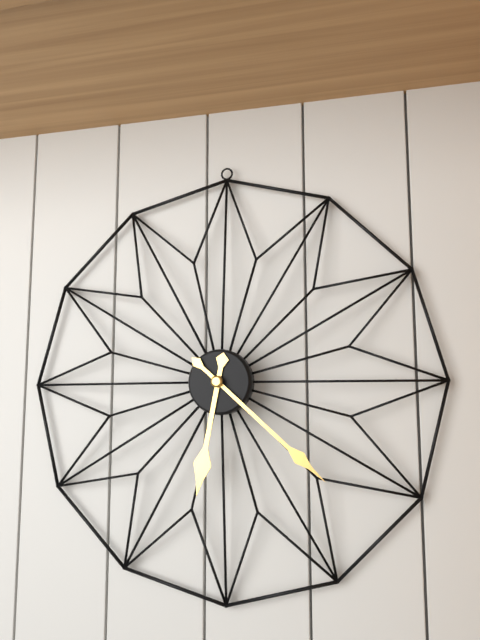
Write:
6,22
